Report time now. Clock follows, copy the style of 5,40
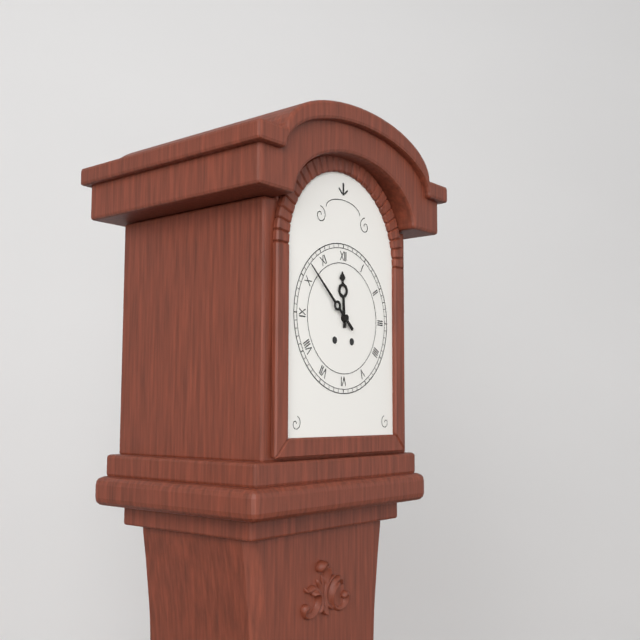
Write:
11,52
